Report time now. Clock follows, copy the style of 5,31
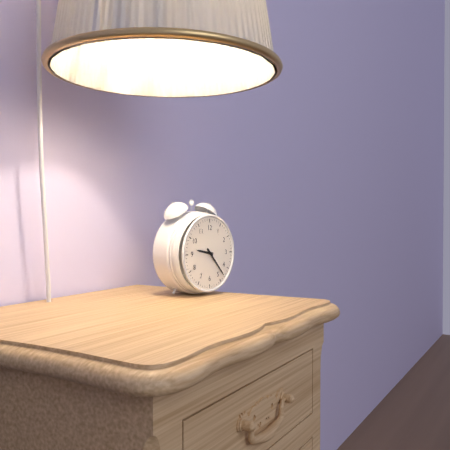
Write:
9,23
